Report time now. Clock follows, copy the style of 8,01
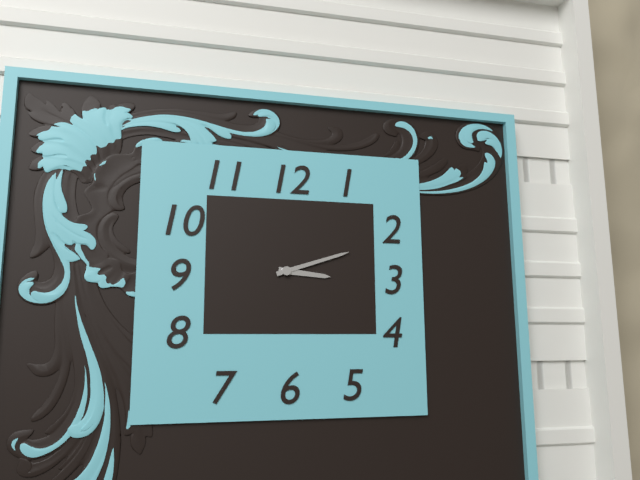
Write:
3,12
